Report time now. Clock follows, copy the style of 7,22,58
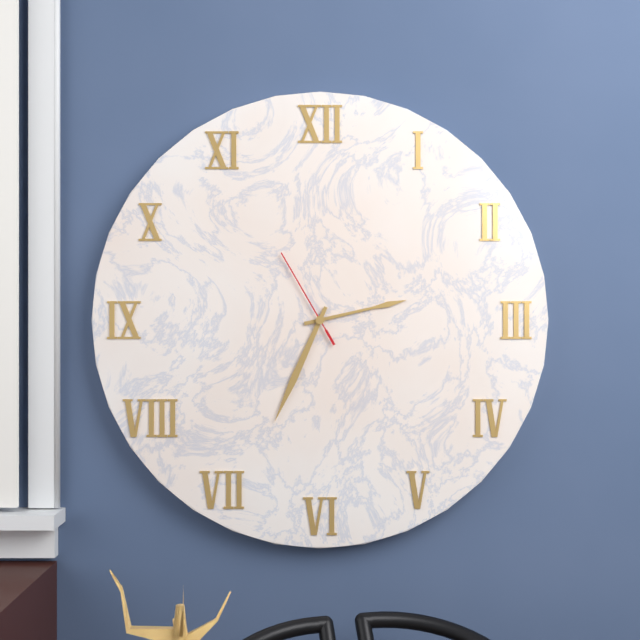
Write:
2,34,55
